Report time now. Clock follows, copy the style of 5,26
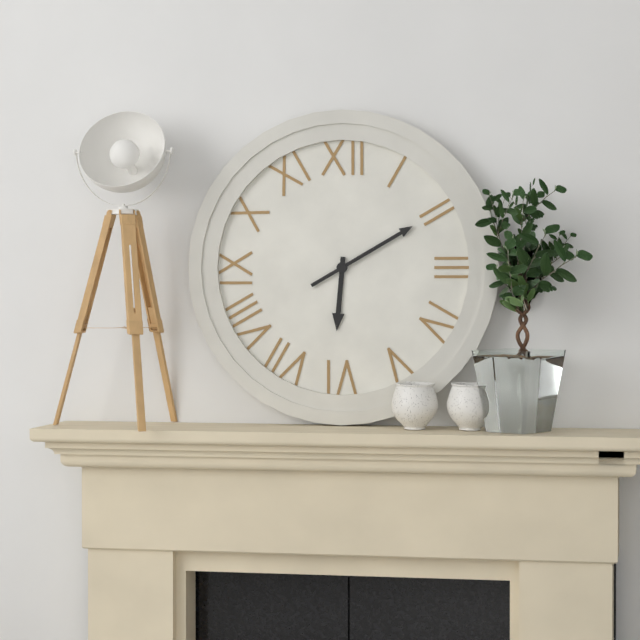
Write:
6,10
